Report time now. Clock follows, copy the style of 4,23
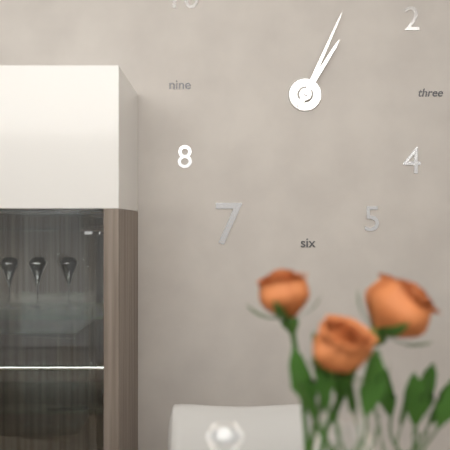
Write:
1,04
